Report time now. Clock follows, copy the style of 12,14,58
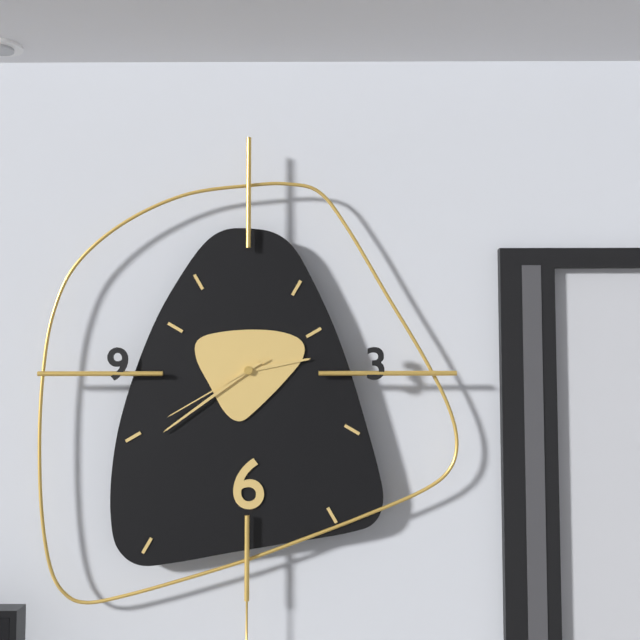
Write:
2,39,40
